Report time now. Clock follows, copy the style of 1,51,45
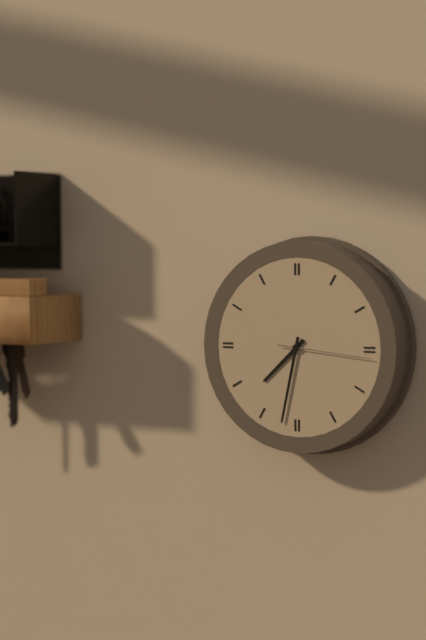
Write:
7,32,16
